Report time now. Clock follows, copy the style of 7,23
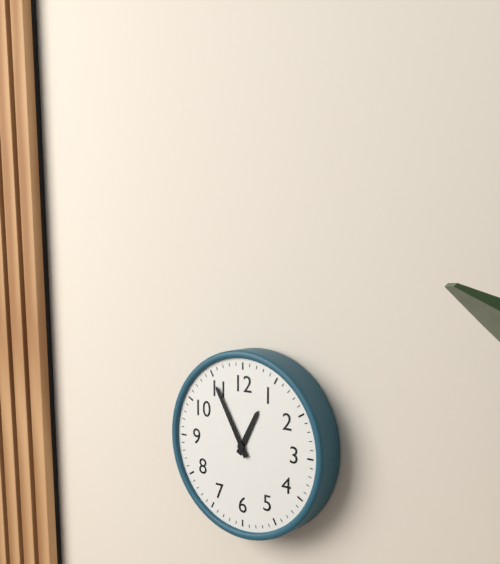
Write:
12,55
